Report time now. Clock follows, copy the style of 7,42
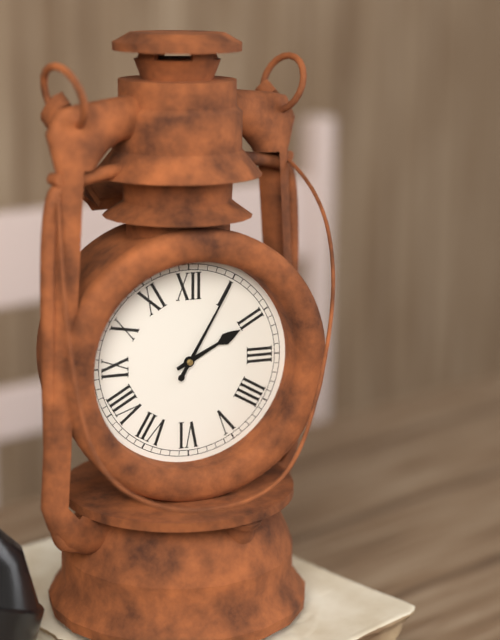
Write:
2,05
